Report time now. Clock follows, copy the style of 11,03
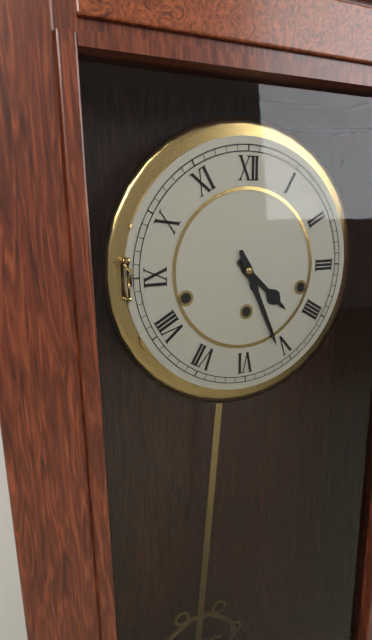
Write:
4,26
